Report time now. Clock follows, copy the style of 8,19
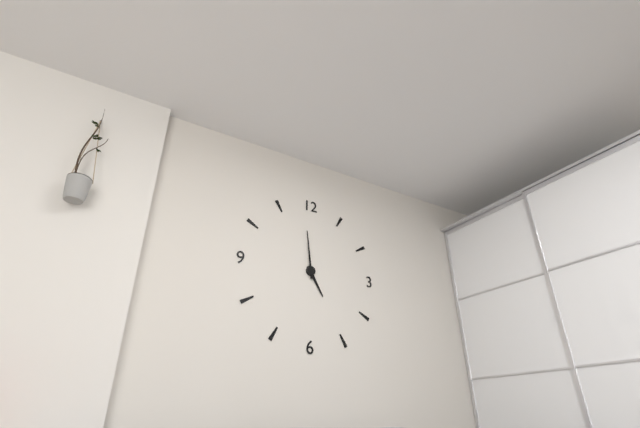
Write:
4,59
